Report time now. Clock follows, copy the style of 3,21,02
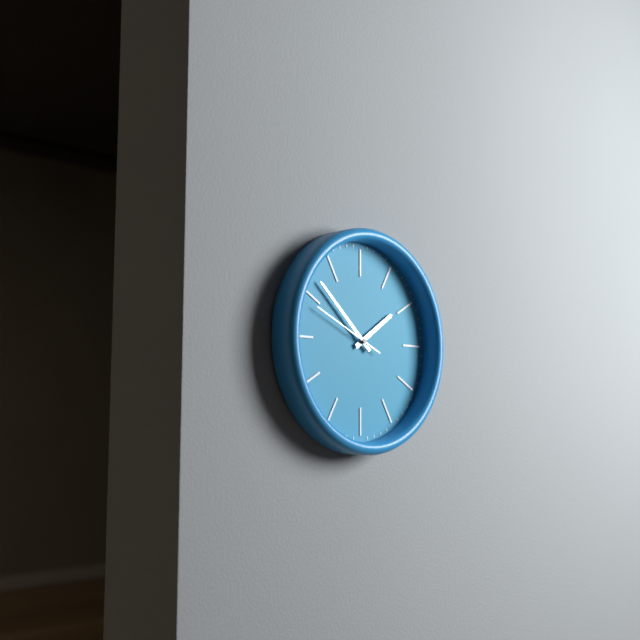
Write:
1,52,49
